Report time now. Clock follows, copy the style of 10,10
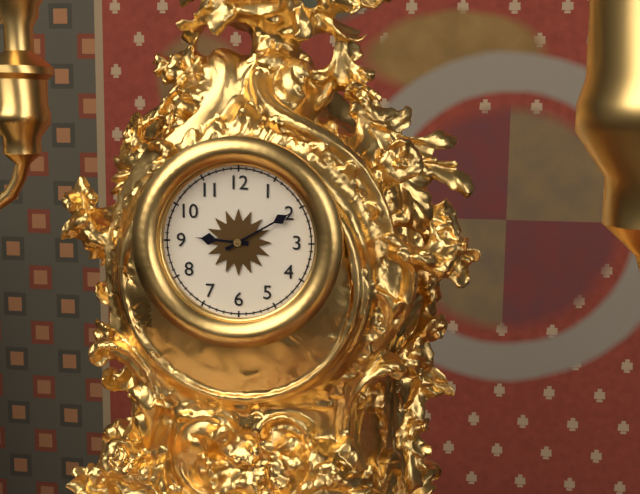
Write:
9,10
